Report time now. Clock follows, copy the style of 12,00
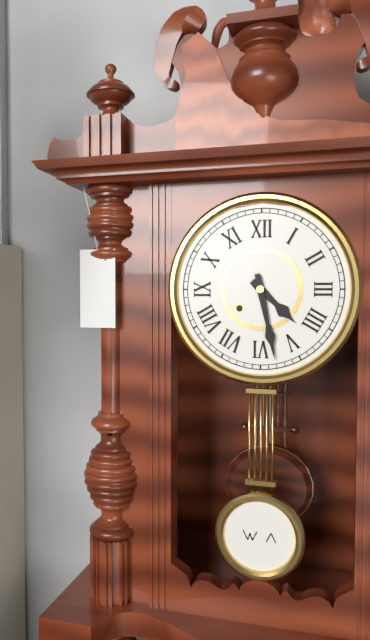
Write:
4,28
